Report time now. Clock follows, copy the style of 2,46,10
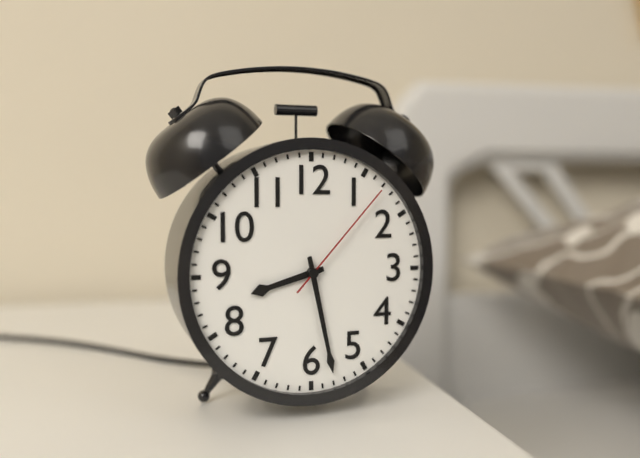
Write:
8,28,07
